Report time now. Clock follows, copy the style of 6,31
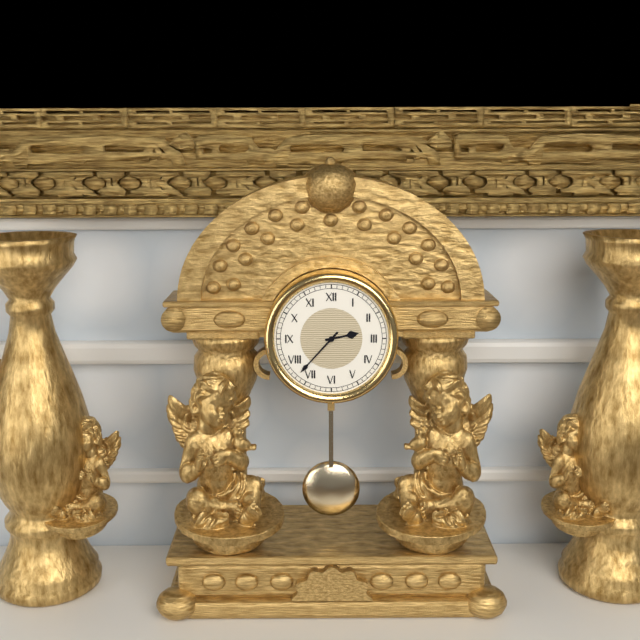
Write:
2,37
